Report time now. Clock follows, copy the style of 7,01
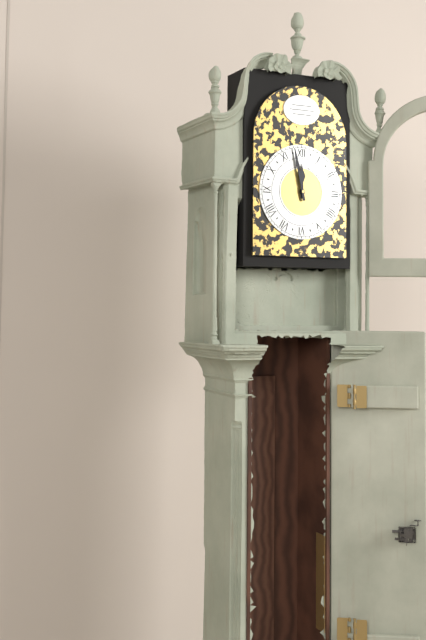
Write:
11,58
